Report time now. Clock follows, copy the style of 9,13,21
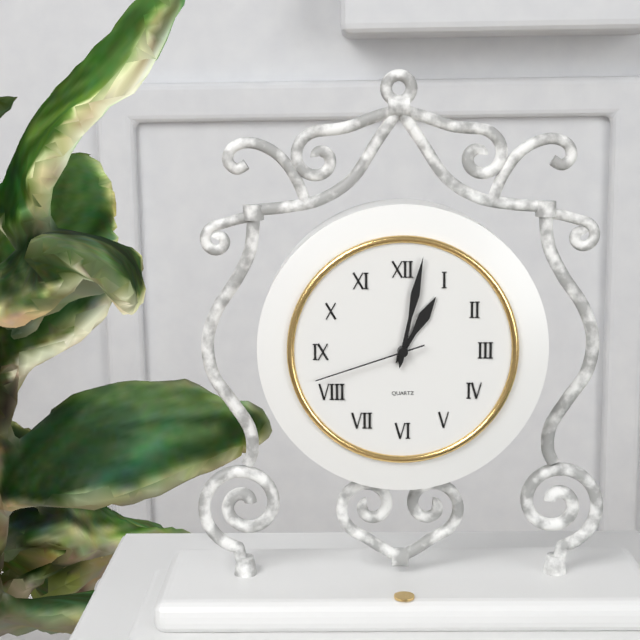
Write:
1,02,42
